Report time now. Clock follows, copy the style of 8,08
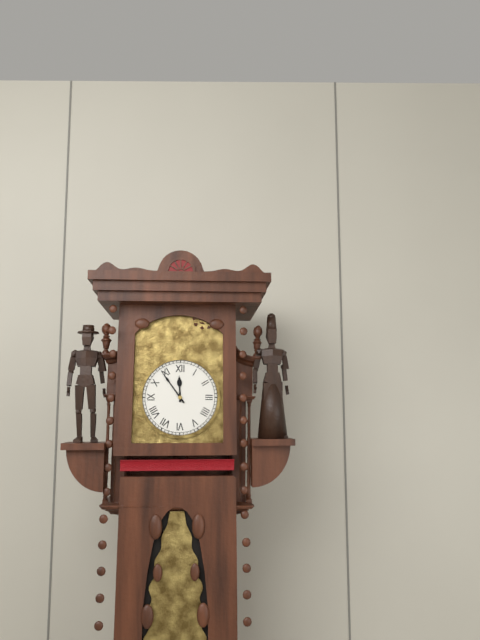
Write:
11,54
